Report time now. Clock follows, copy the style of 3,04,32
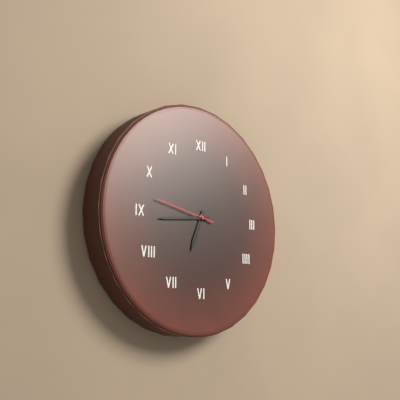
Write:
6,44,47
